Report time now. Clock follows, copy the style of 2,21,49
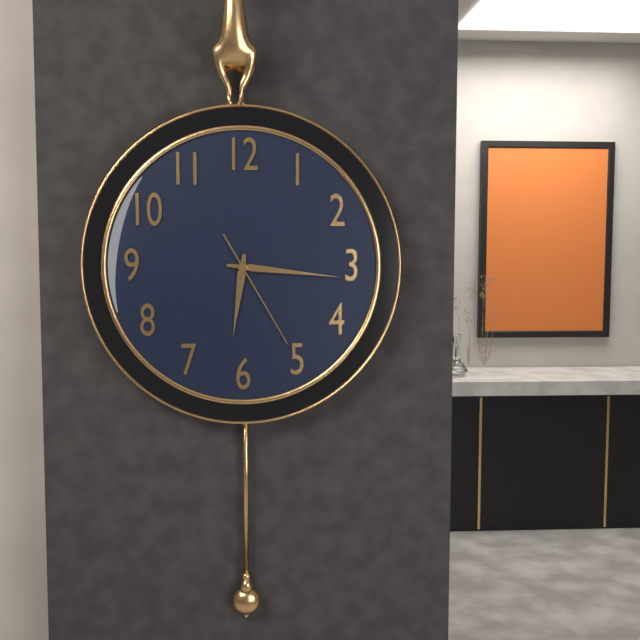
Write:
6,16,25
